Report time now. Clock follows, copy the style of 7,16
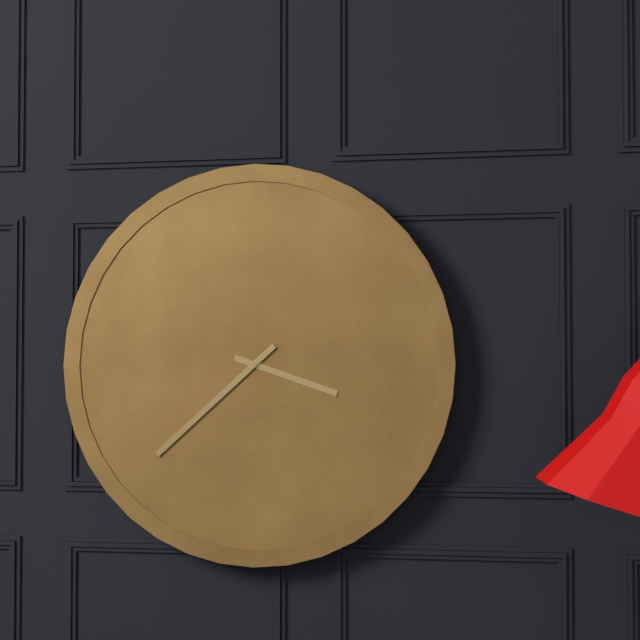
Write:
3,38
